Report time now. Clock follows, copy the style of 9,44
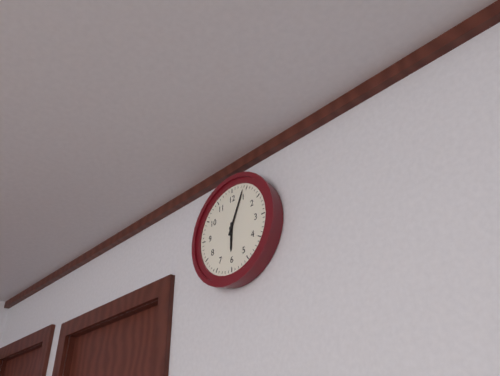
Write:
6,04
